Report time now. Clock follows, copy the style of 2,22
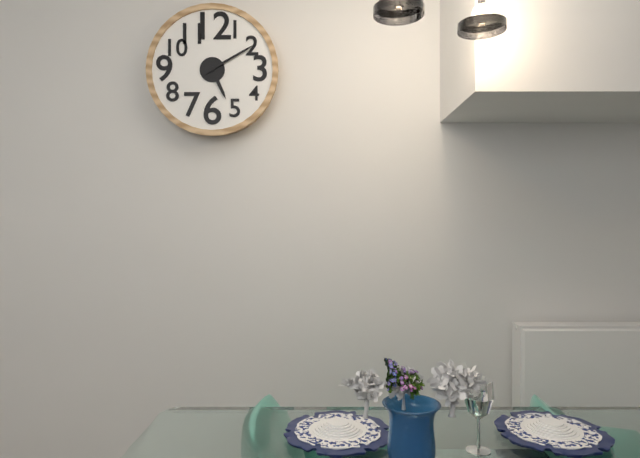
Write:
5,10
